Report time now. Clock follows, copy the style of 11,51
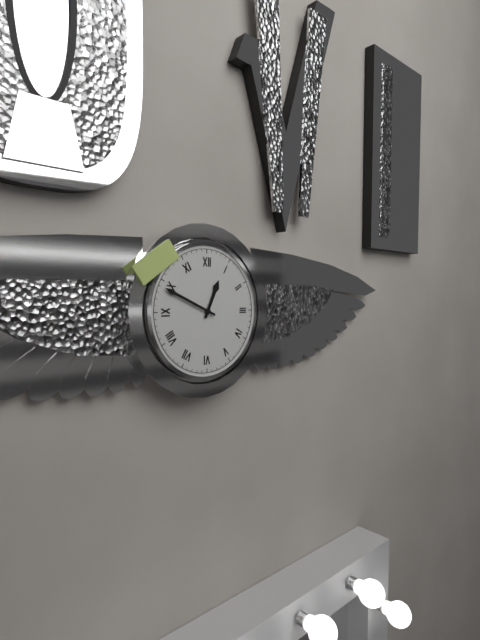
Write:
12,49
